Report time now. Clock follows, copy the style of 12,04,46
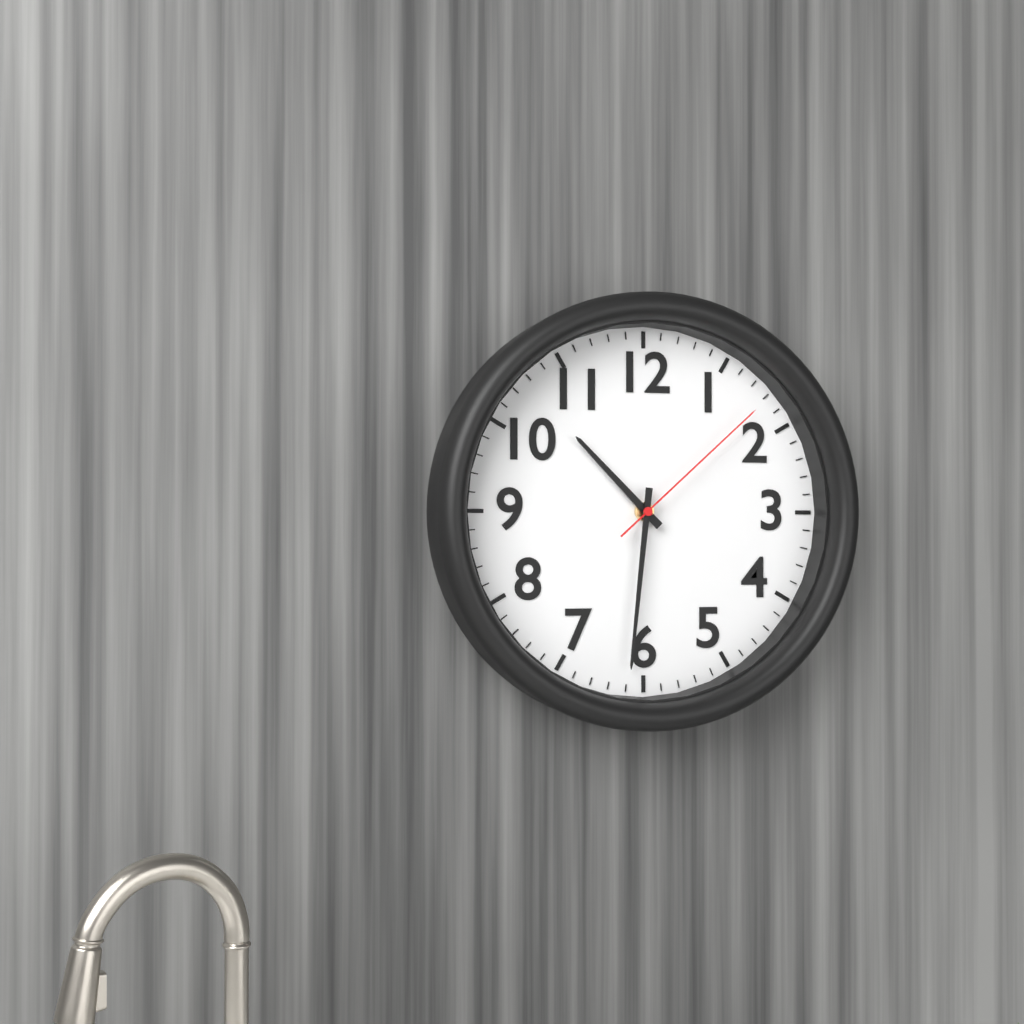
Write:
10,31,08
